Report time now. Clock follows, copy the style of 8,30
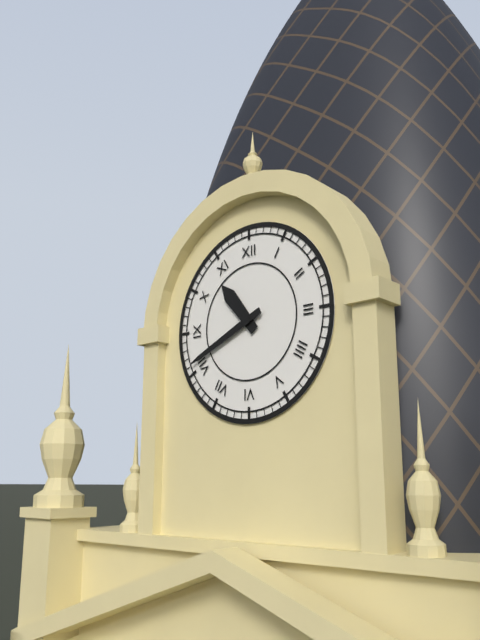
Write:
10,41
